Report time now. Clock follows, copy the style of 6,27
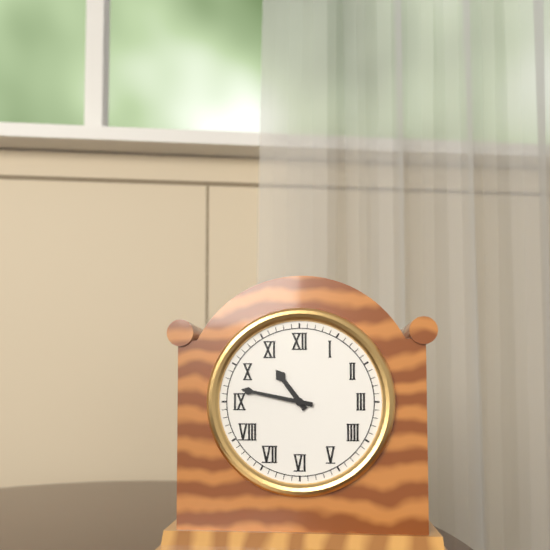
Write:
10,47
